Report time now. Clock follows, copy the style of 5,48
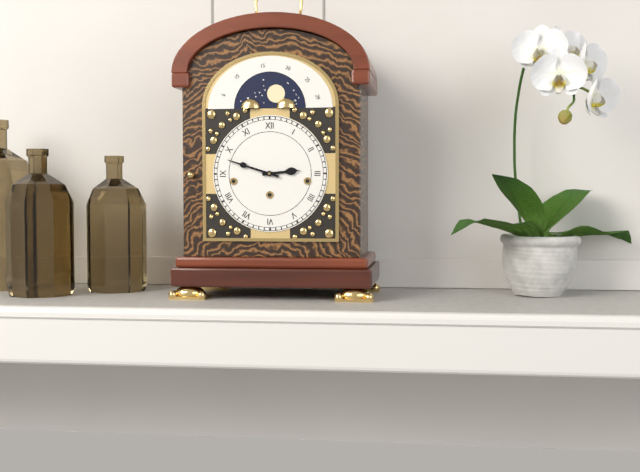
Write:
2,48
